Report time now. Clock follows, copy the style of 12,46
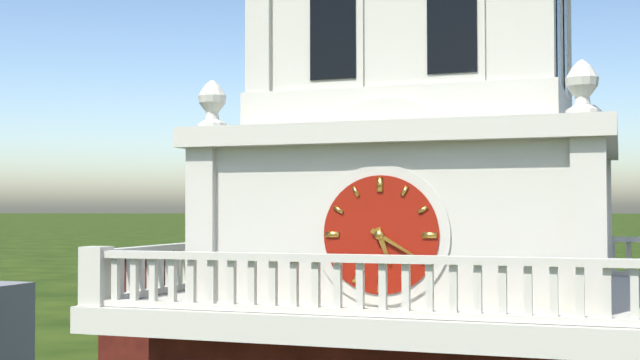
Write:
5,20
